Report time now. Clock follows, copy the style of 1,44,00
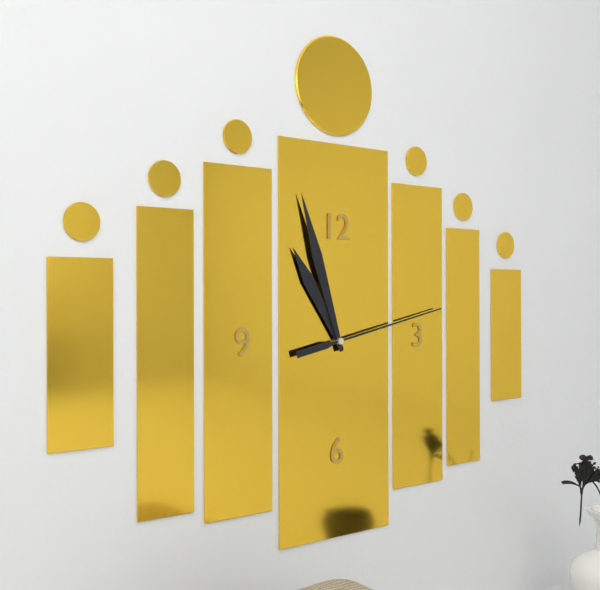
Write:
10,57,13
